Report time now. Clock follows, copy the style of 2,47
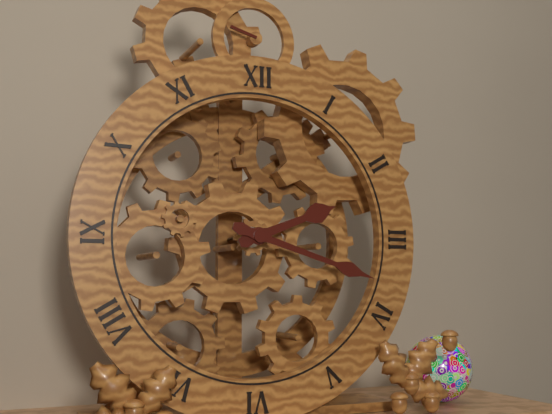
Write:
2,18
